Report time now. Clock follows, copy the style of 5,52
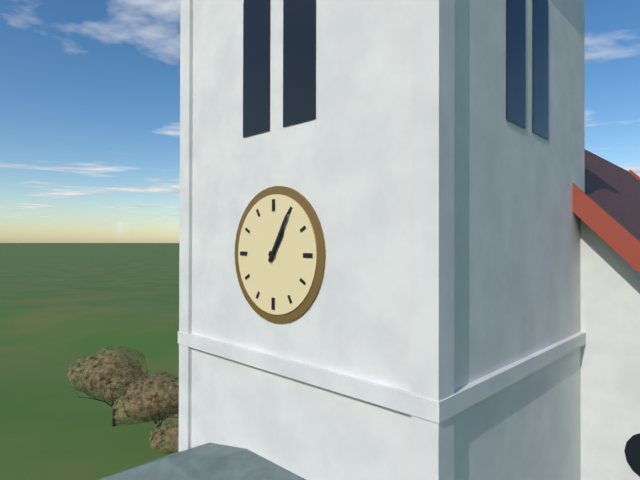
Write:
1,05
